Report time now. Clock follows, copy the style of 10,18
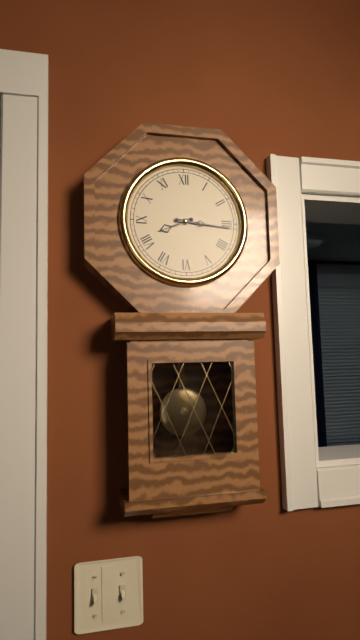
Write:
8,16
